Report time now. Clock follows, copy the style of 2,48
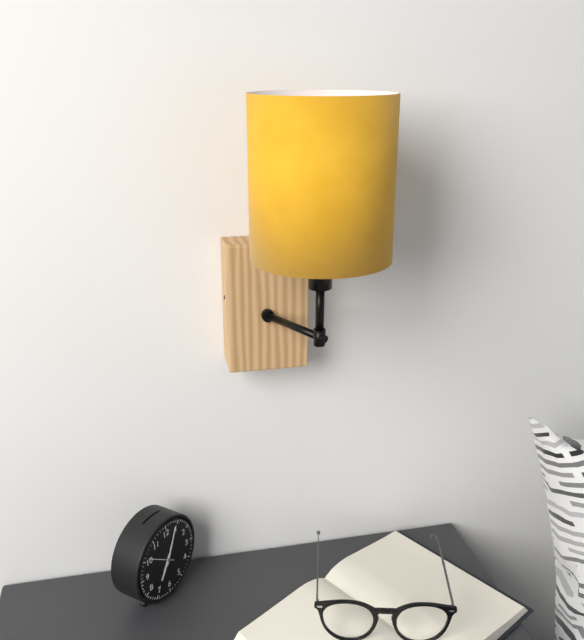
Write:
7,04
